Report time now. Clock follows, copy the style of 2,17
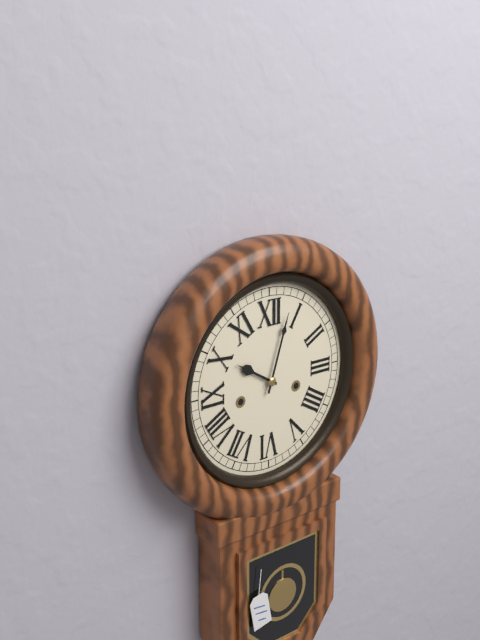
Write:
10,03
